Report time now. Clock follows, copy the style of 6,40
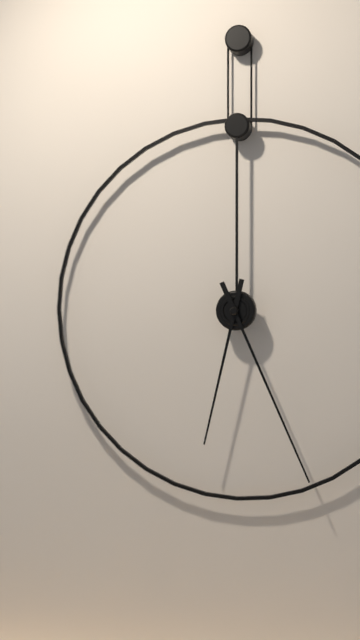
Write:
6,26
